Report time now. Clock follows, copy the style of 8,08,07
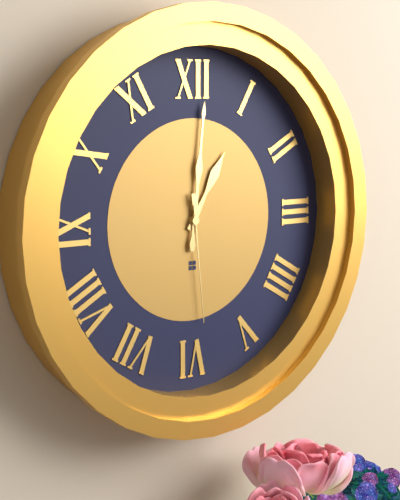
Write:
1,01,29
